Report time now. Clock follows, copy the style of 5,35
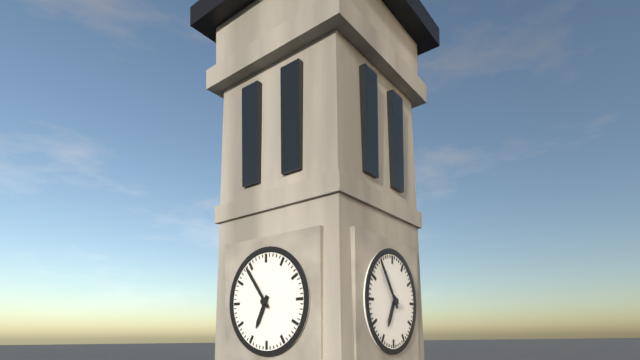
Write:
6,54
